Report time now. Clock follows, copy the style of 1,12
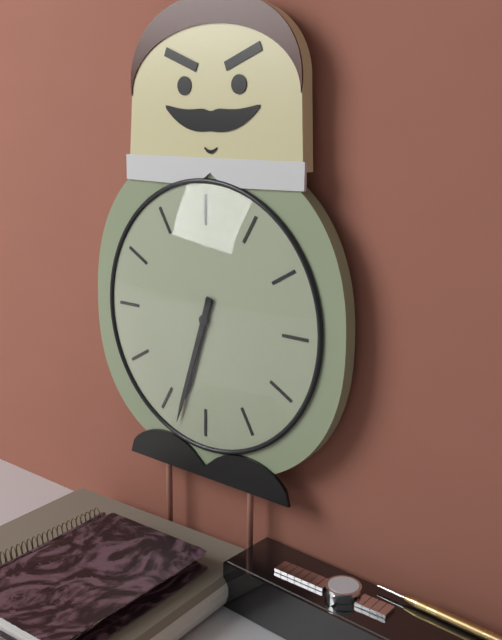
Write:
6,33
